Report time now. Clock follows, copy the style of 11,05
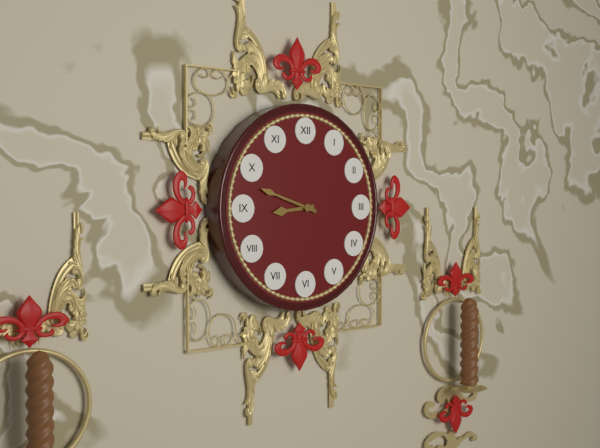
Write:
8,48
